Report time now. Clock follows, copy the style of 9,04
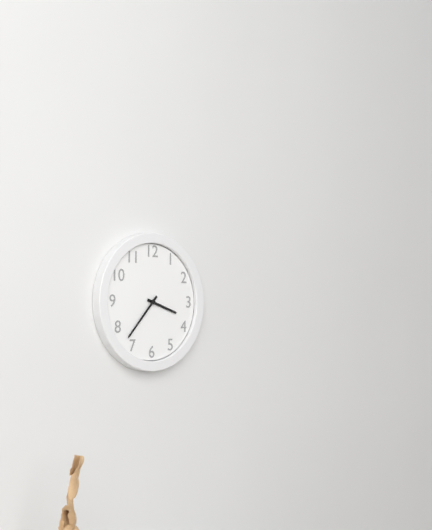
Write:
3,37
